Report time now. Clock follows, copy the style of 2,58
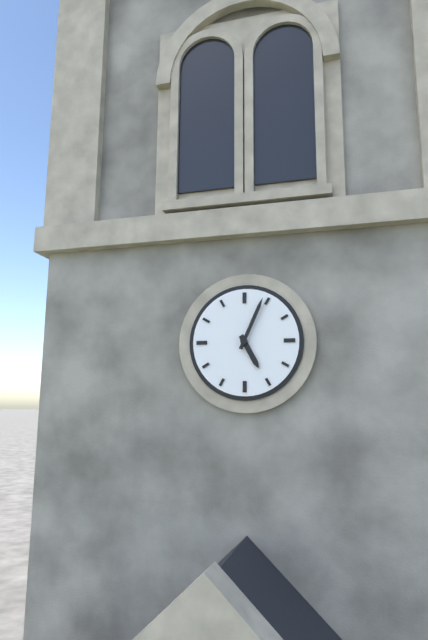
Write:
5,04
